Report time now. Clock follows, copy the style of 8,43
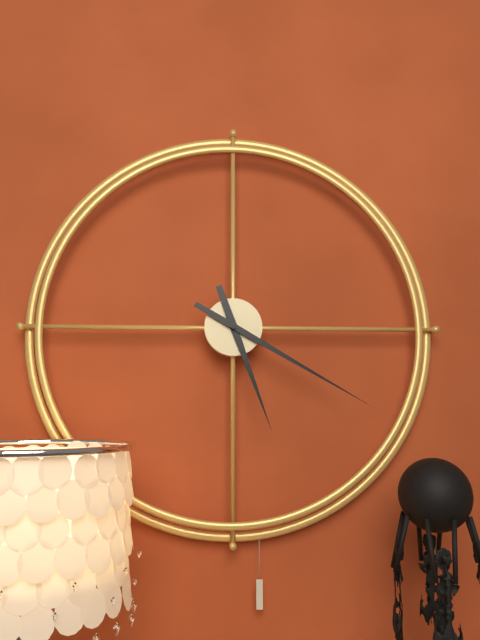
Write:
5,20
